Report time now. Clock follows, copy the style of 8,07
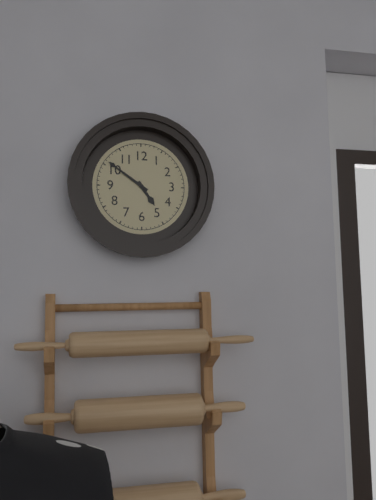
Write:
4,51
